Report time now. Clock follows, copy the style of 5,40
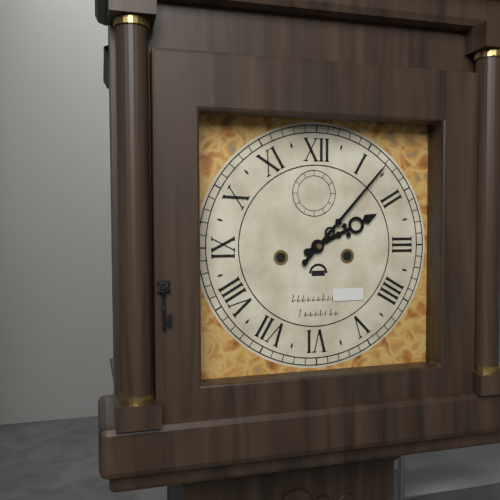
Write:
2,07
